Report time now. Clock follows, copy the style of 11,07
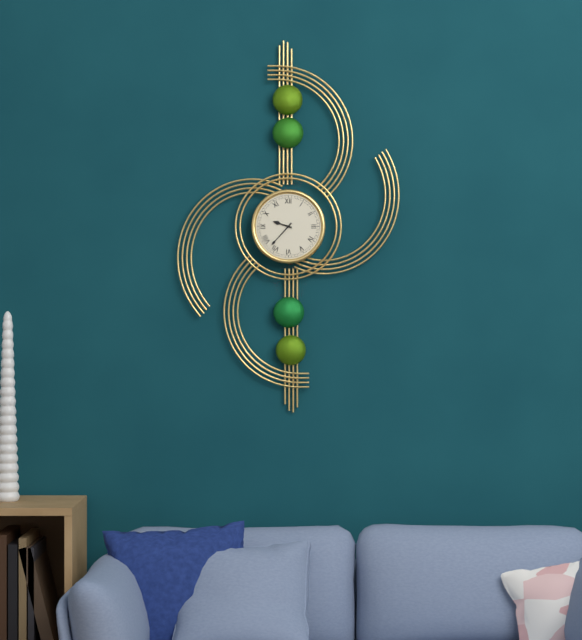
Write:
9,37
